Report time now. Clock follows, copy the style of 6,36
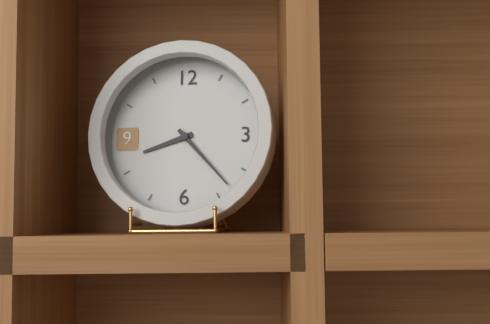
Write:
8,23
